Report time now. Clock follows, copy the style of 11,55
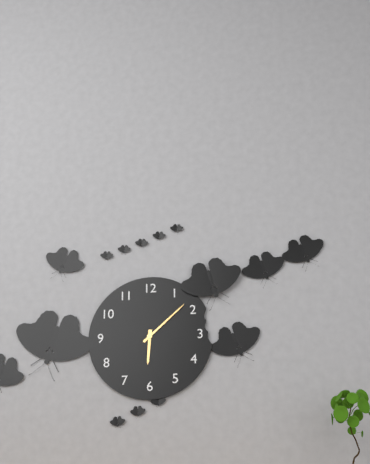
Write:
6,08
